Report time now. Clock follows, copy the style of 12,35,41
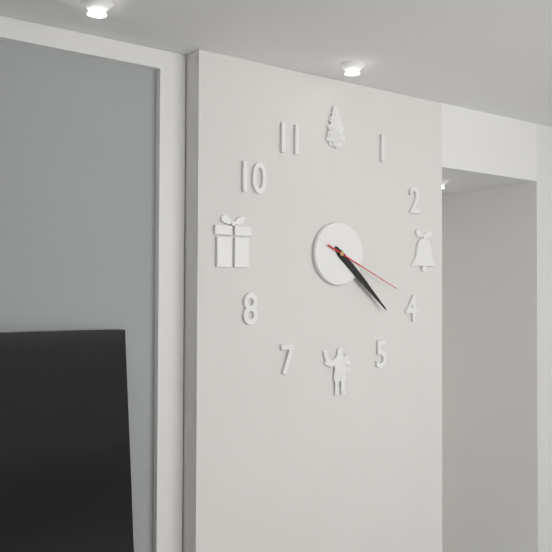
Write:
4,22,19
